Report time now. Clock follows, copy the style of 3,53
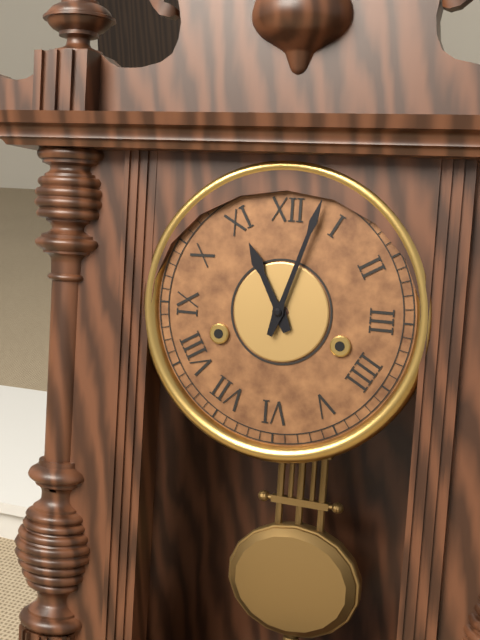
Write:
11,03
